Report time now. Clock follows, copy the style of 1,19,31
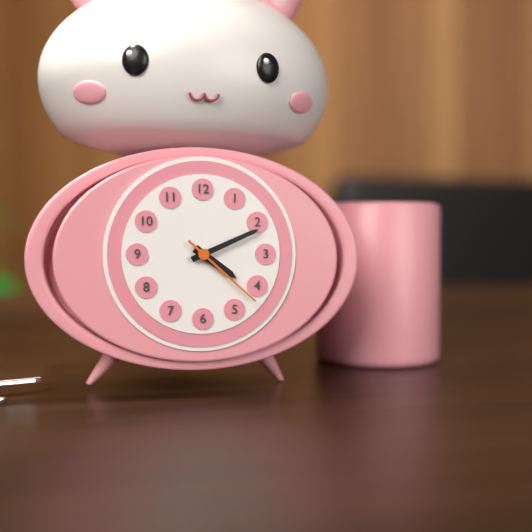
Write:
4,11,22
